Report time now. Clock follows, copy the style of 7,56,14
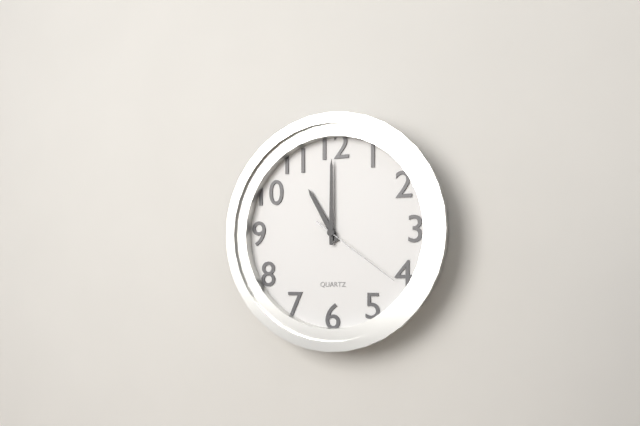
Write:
11,00,21
